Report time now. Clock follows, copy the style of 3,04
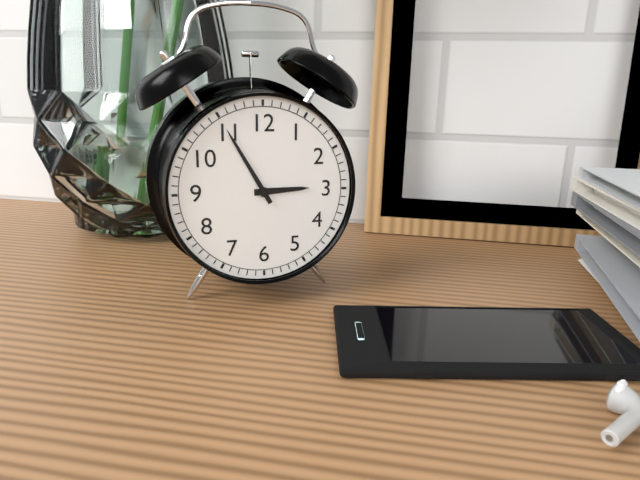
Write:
2,55
